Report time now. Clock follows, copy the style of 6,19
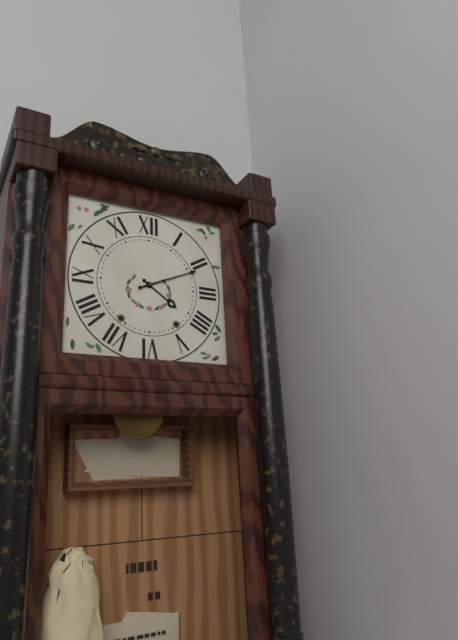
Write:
4,11
